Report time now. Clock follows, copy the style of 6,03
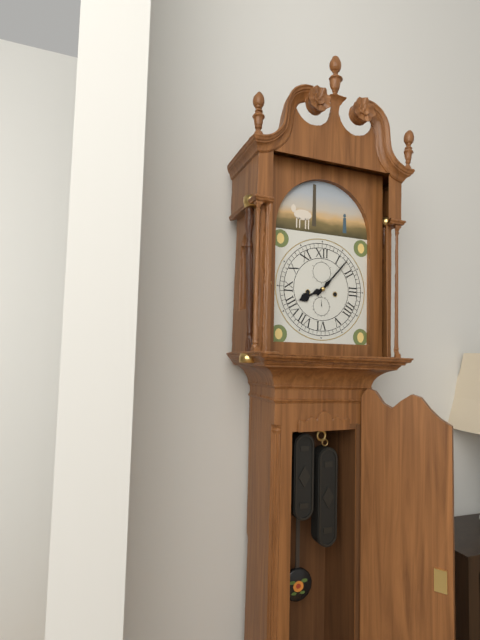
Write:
8,07
